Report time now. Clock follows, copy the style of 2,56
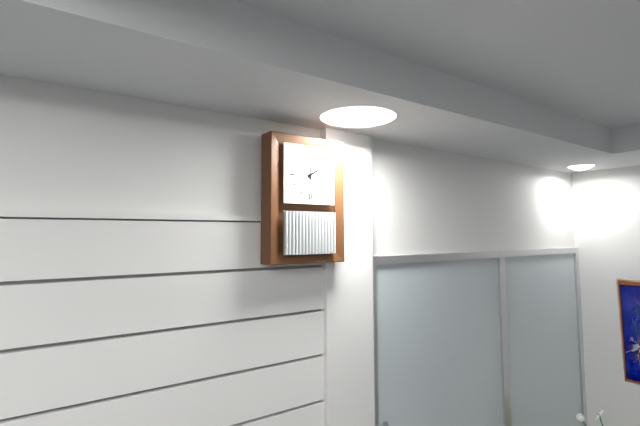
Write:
2,00
